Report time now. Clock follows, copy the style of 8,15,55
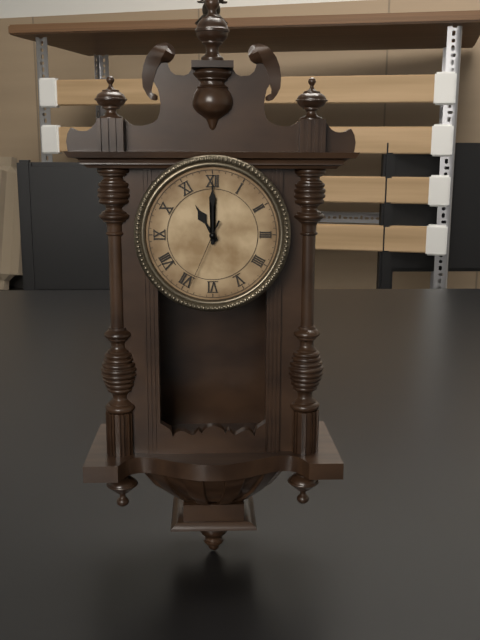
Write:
11,00,34
